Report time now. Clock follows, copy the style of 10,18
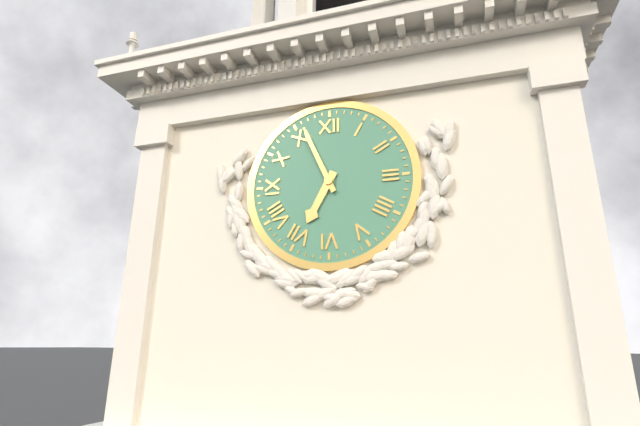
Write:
6,56
